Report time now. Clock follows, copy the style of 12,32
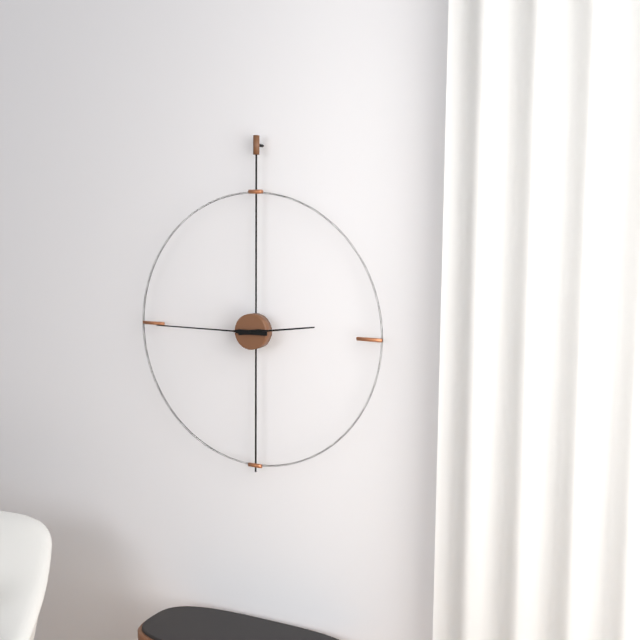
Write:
2,45
